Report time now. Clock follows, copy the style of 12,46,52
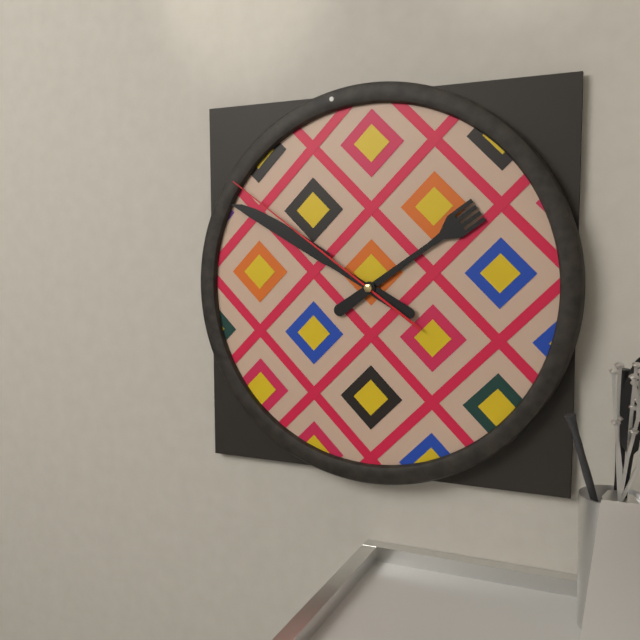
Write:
1,50,51
